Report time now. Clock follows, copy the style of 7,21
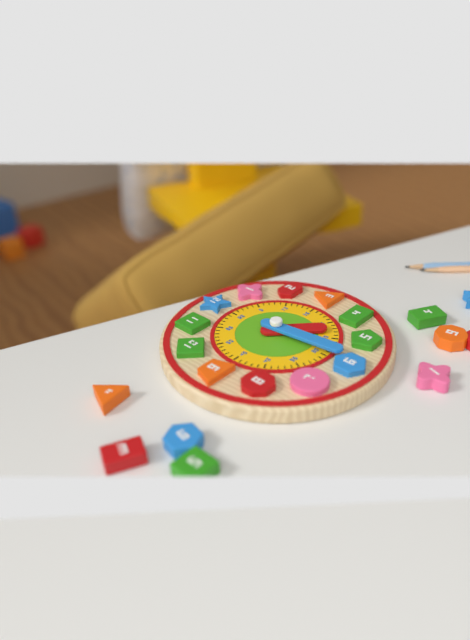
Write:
4,29
